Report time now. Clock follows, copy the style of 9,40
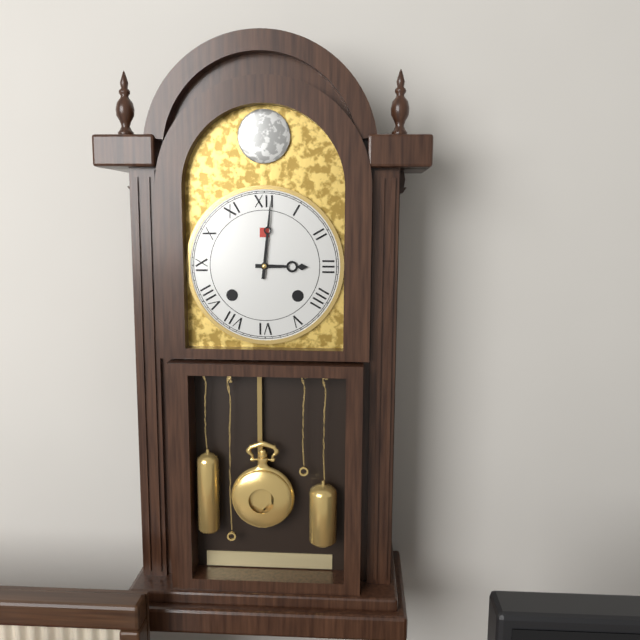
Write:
3,01
